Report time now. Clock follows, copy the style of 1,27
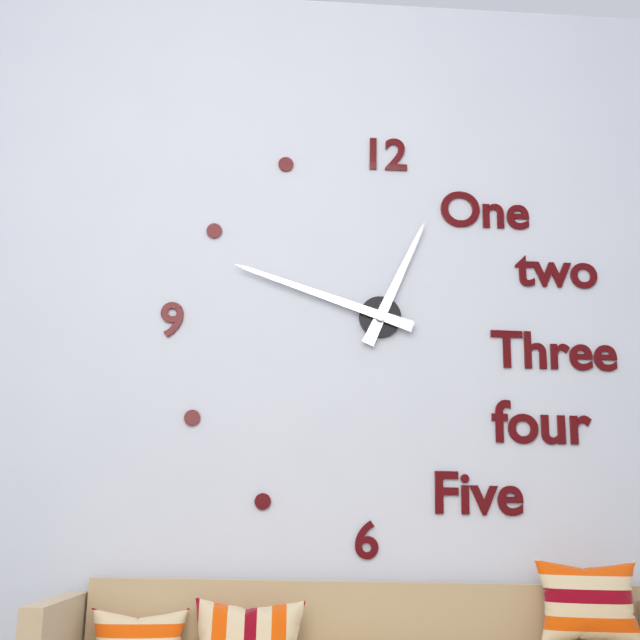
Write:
12,48
